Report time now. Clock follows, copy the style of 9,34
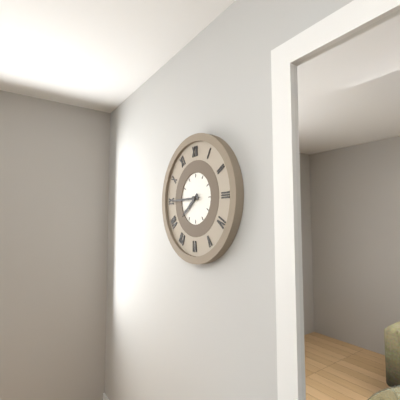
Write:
7,45
